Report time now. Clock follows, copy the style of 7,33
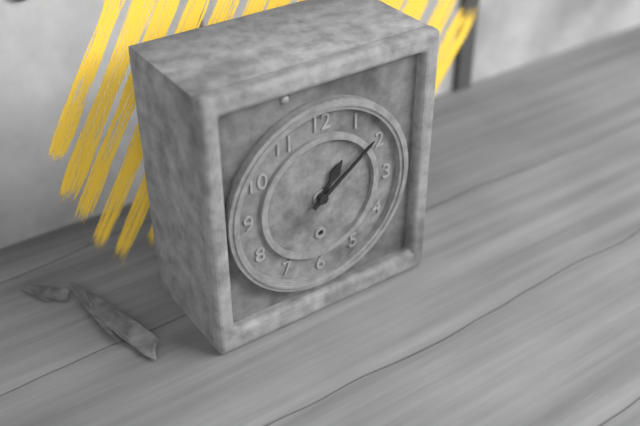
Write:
1,09
